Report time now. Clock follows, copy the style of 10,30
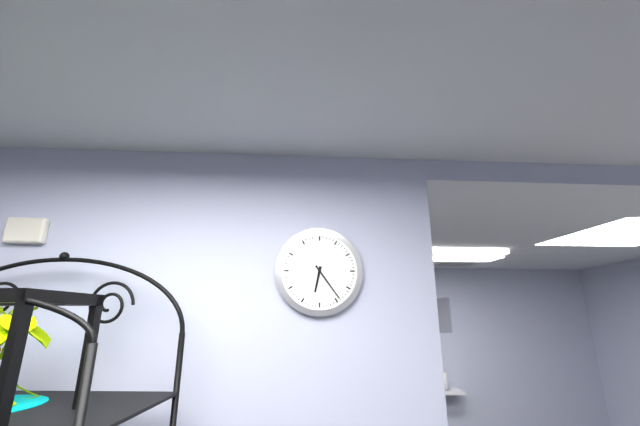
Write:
6,24
